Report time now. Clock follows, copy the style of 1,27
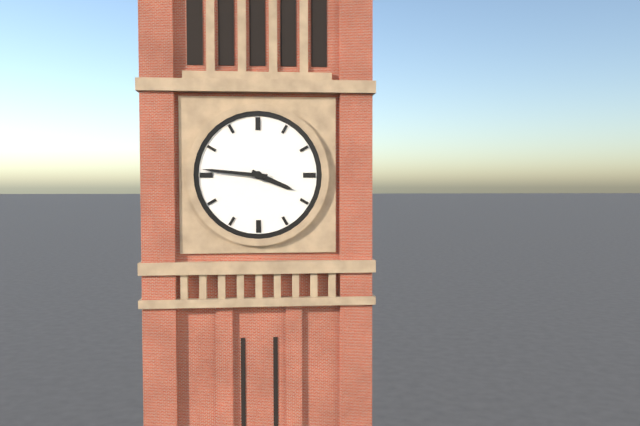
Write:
3,46
